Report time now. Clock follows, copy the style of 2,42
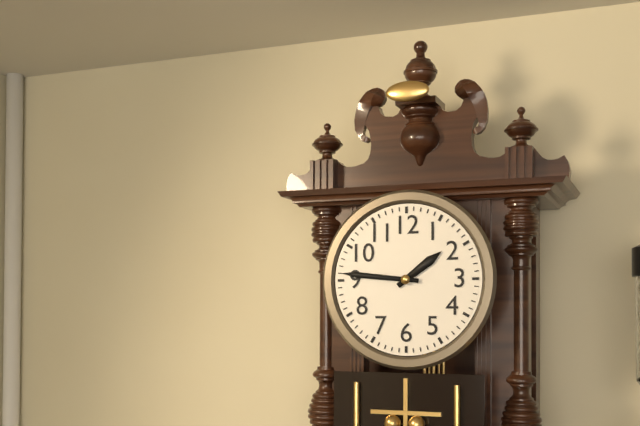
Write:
1,46
